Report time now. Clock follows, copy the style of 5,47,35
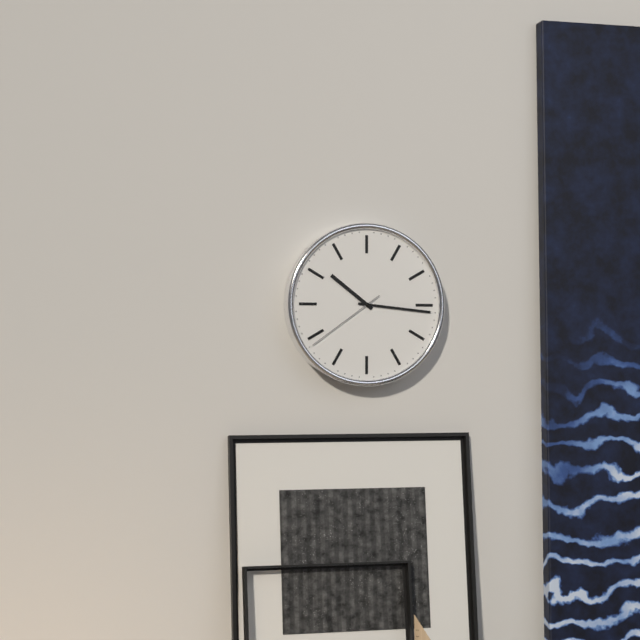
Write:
10,16,39
